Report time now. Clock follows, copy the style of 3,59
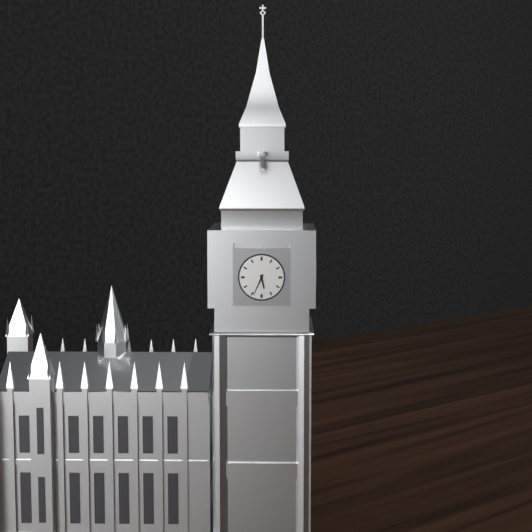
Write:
5,34
